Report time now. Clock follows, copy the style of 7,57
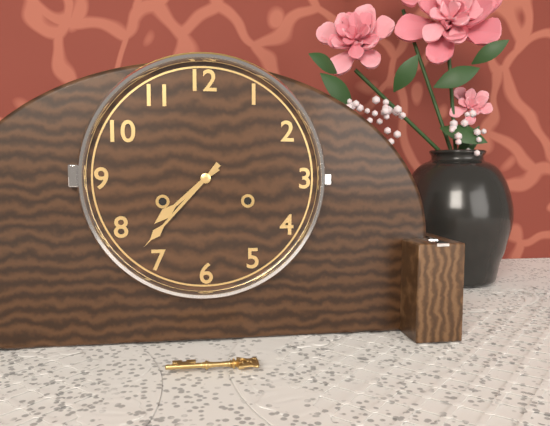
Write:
7,37
